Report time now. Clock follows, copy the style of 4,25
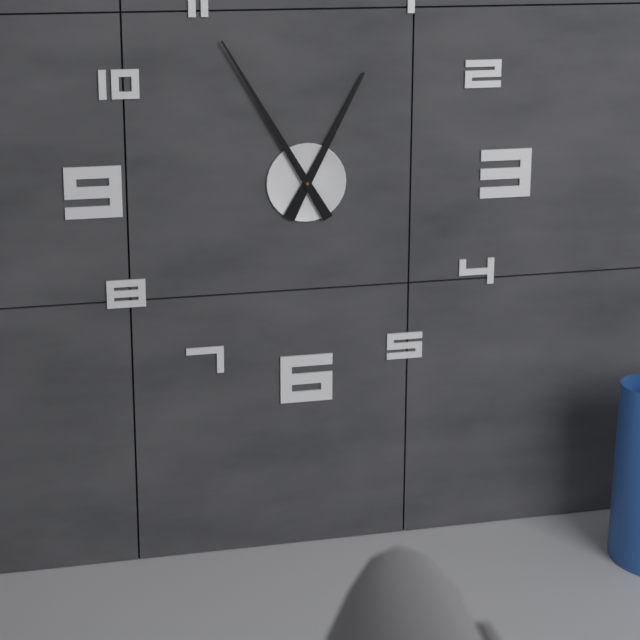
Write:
12,55
